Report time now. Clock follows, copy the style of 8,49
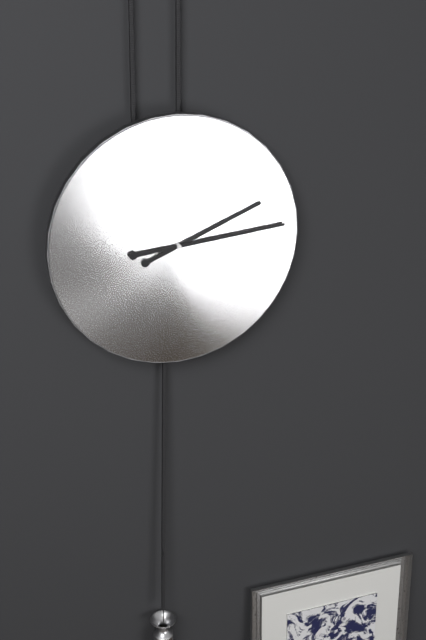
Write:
2,14
